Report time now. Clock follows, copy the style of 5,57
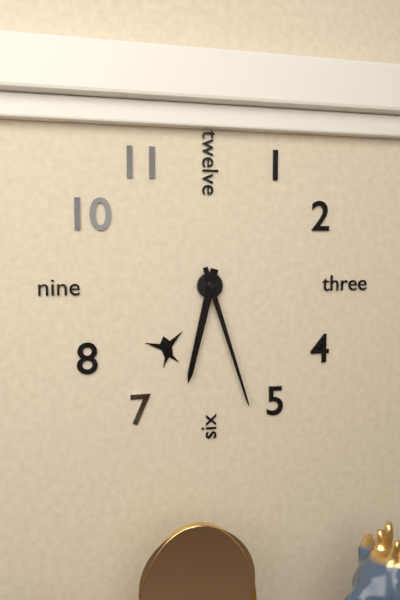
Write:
6,27
